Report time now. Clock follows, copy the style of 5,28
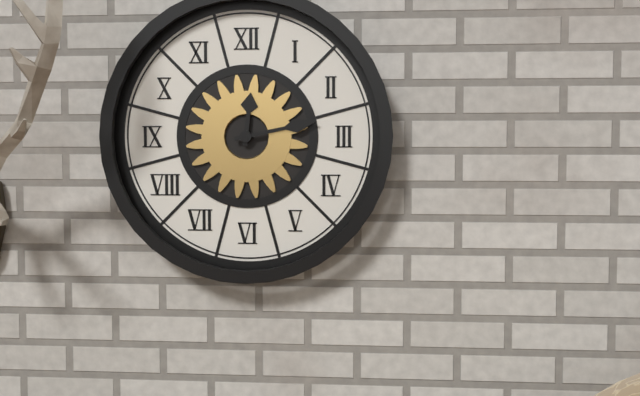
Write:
12,13
